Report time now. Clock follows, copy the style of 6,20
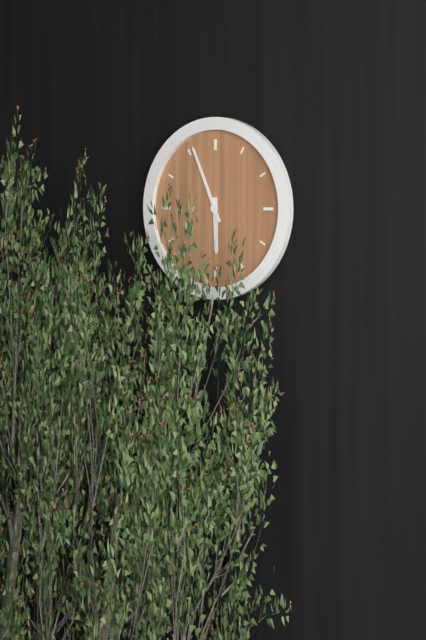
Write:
5,56
